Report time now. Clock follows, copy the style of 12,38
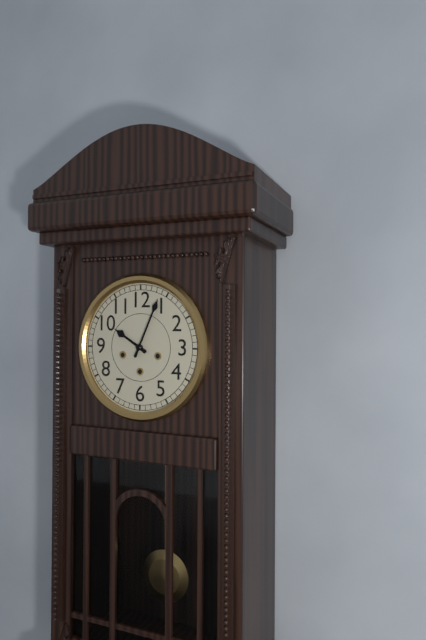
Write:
10,04
